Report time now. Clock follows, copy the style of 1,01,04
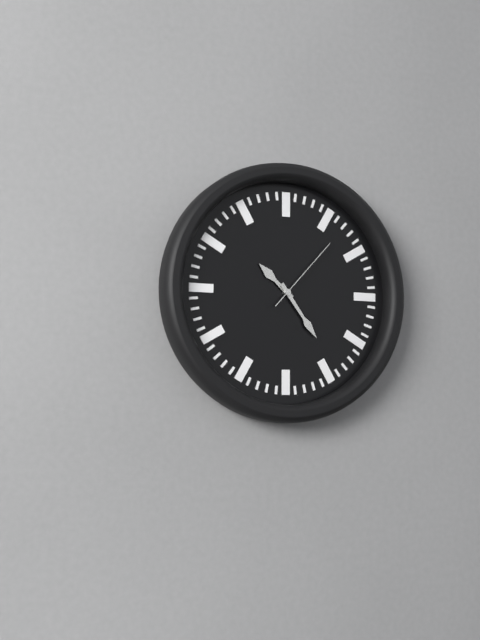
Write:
10,24,07
